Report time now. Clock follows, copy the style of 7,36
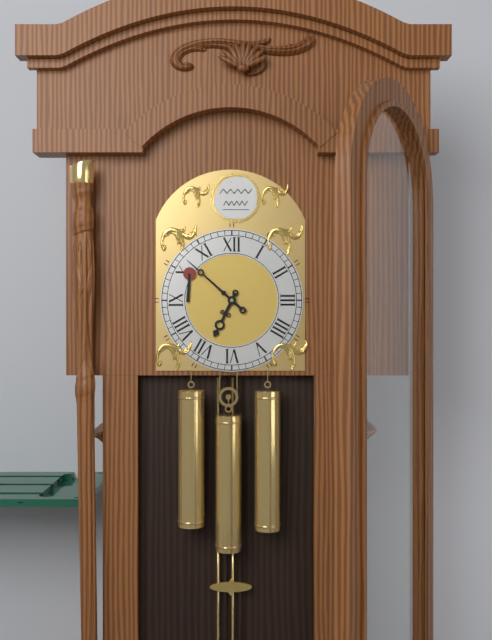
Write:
6,52
